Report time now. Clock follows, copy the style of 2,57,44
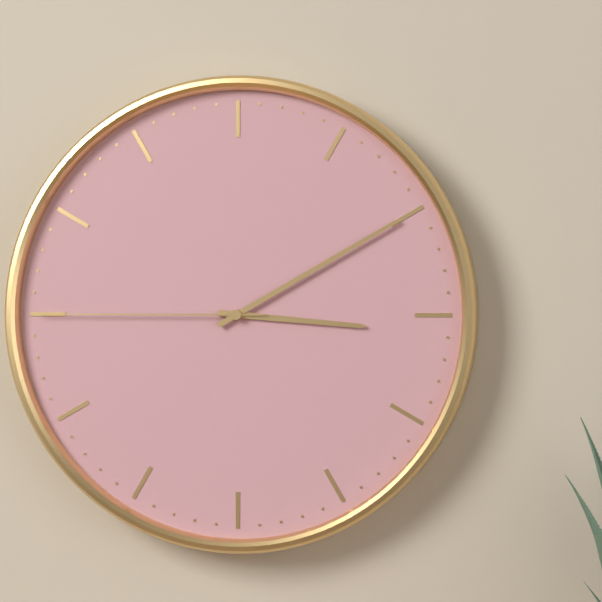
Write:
3,10,45
